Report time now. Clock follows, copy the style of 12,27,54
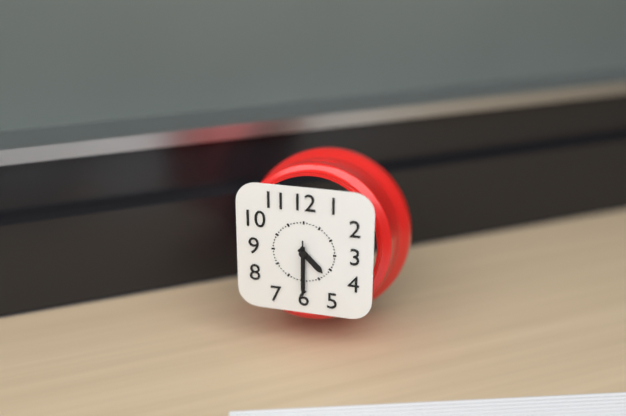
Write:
4,30,30
